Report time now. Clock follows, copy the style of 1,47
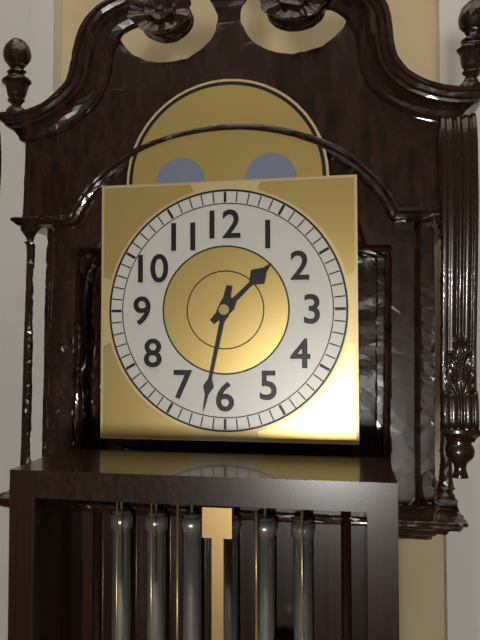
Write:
1,32
